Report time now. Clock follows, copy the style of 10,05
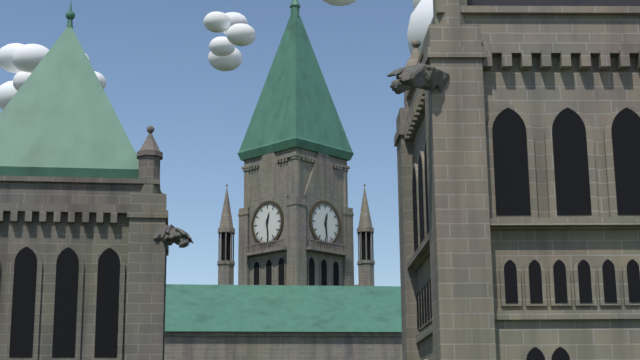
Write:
12,29
